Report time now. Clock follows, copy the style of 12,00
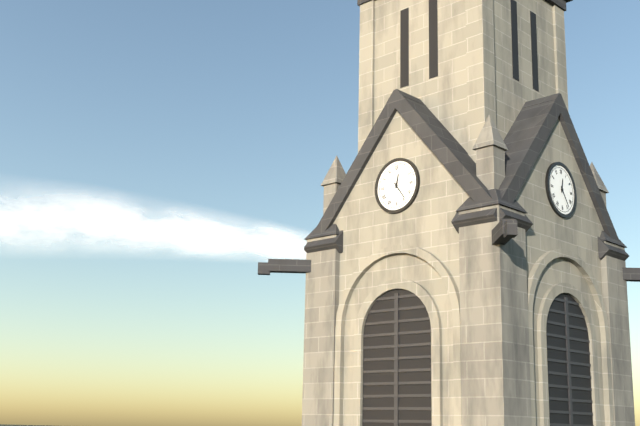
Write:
12,24
